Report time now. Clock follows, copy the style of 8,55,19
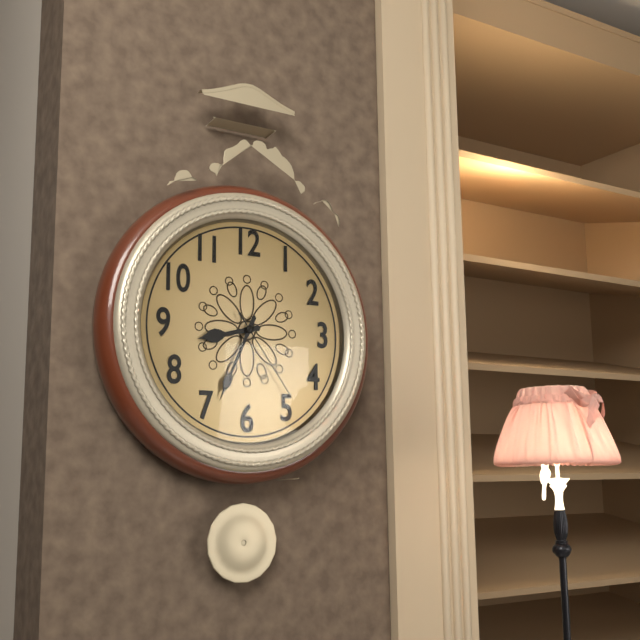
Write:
8,34,24
